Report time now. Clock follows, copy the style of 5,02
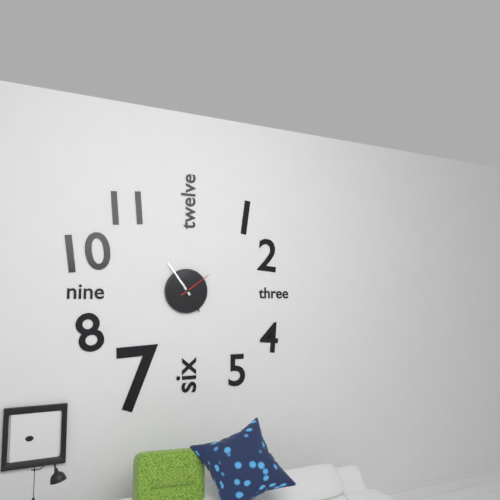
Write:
4,54
